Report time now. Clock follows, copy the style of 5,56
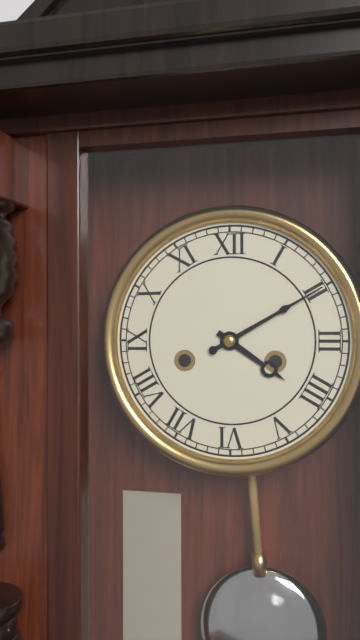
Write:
4,10
